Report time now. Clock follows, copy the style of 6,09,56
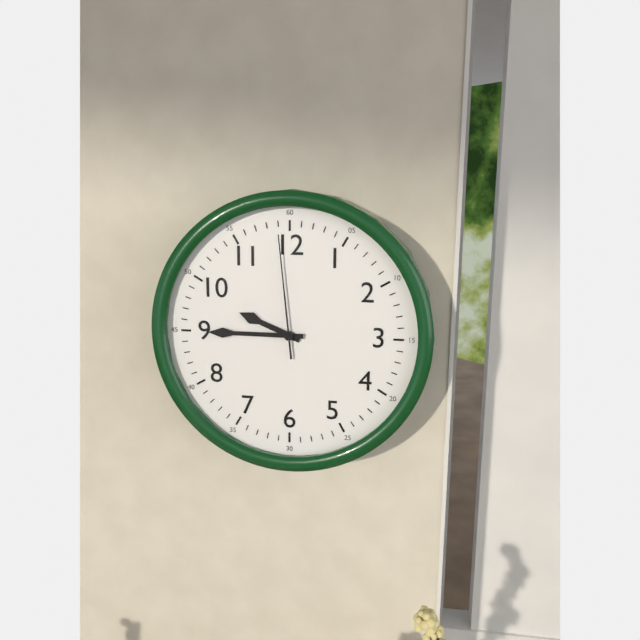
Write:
9,45,59
